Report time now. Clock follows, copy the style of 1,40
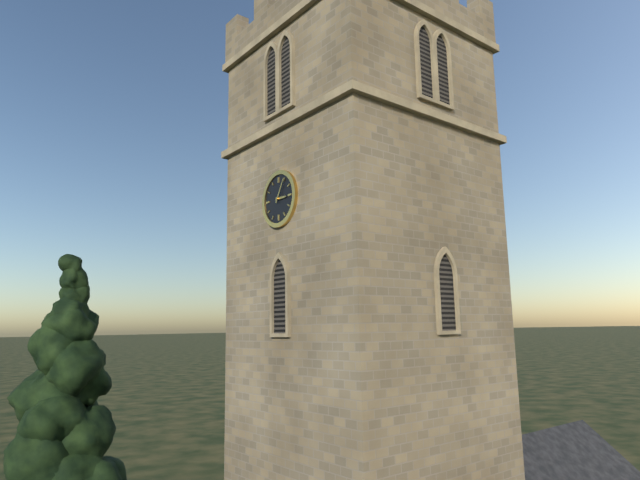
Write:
3,05
